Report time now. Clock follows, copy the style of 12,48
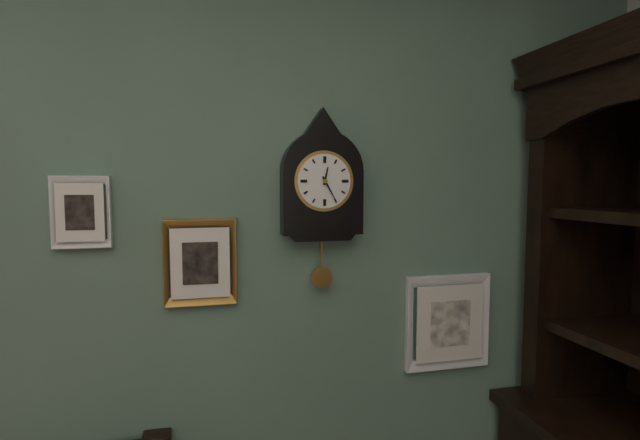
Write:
12,25
